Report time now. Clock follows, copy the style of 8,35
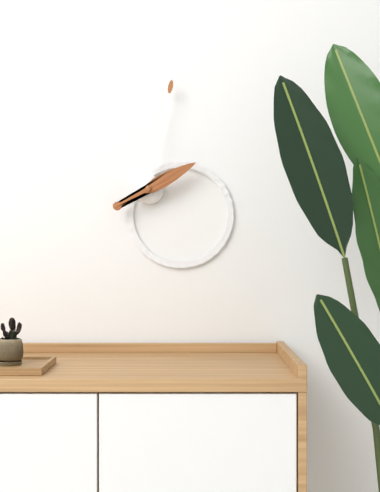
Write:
2,02
